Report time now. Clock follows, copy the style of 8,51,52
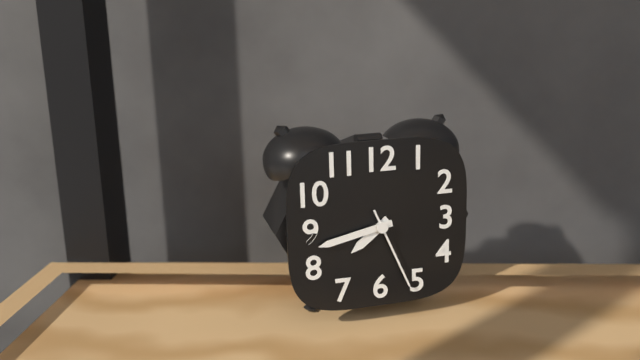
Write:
7,43,26
